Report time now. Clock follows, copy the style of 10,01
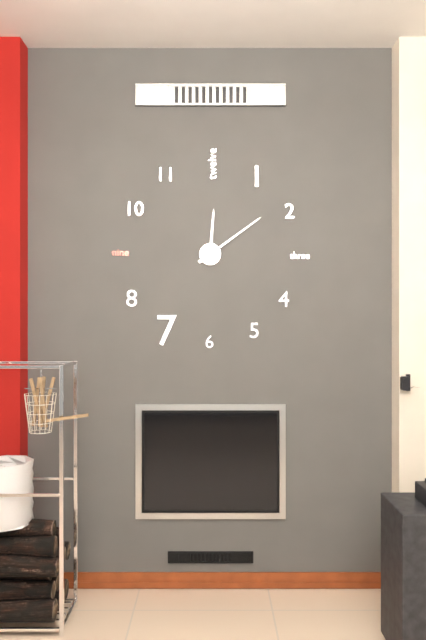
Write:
12,09
